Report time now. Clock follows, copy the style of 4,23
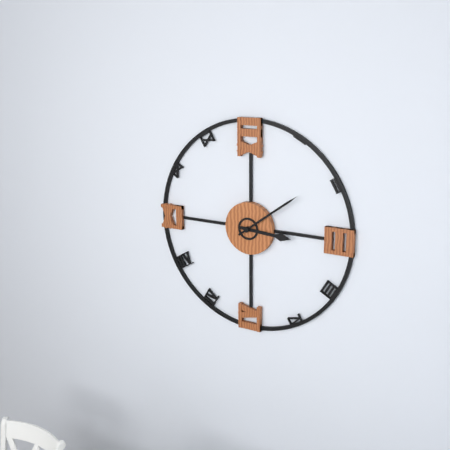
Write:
3,09
